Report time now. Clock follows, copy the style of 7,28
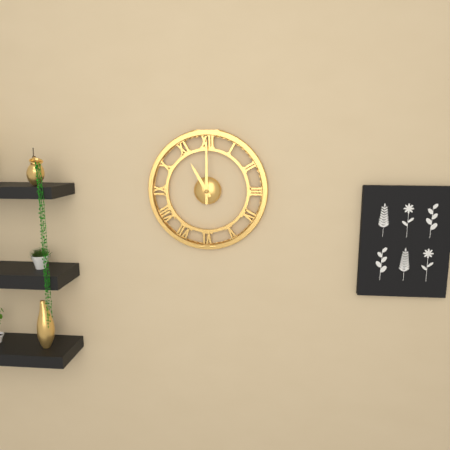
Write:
11,00
